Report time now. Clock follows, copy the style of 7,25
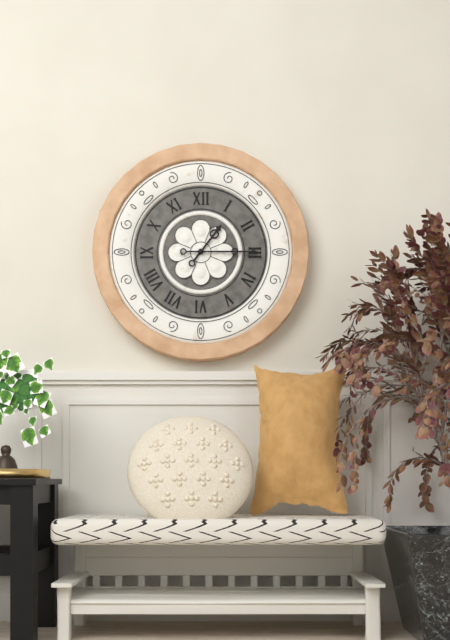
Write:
1,15
